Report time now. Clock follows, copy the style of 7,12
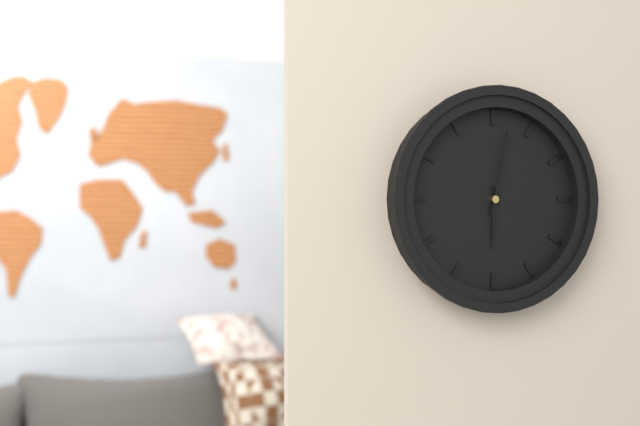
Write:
6,02
